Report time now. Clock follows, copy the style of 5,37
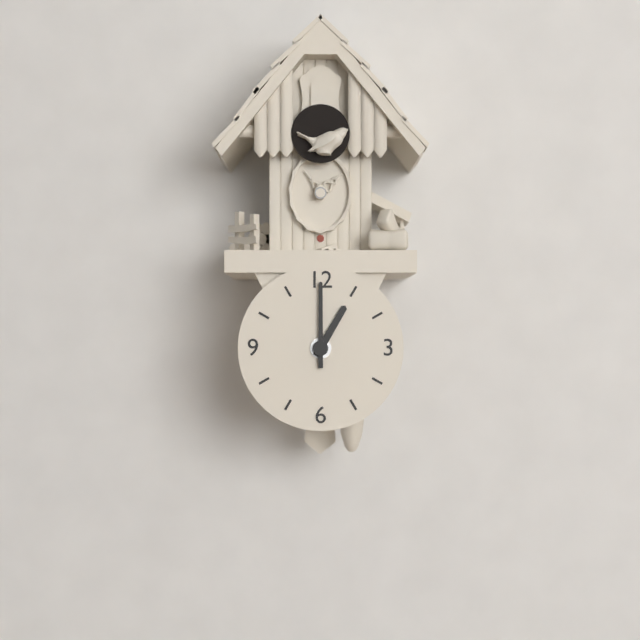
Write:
1,00
